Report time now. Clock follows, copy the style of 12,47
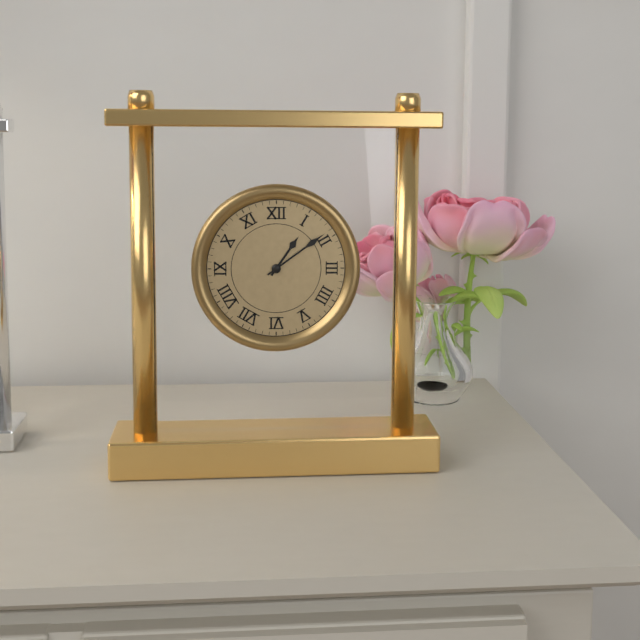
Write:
1,09
